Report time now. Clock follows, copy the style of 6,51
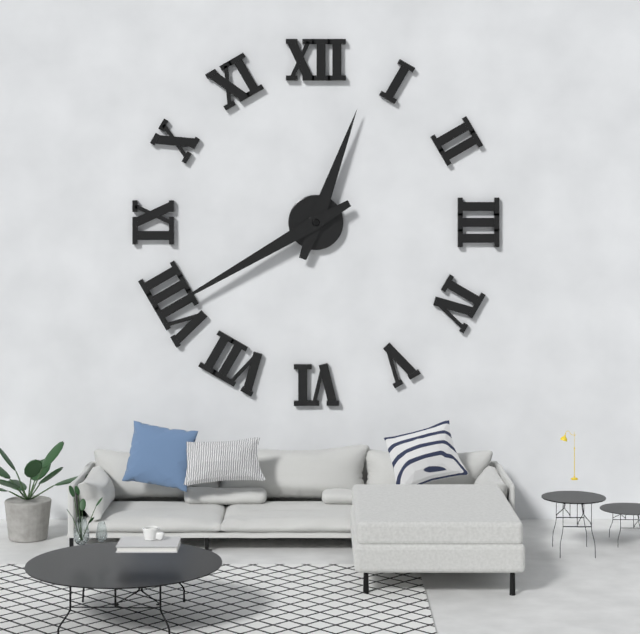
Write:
12,40
